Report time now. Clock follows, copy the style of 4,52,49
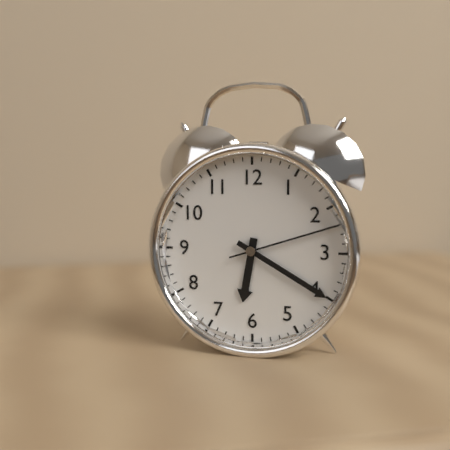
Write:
6,20,12
